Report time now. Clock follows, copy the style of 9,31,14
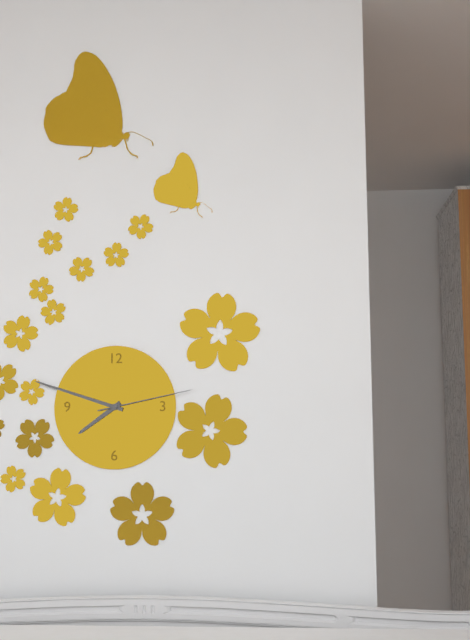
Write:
7,48,13
